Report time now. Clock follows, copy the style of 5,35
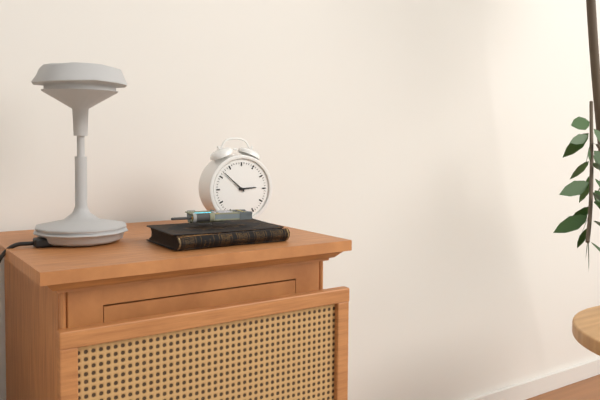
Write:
2,52
